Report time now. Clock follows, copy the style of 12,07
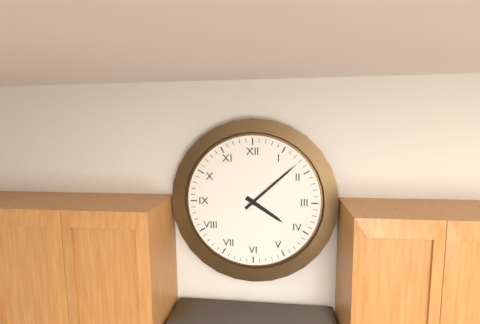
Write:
4,08
